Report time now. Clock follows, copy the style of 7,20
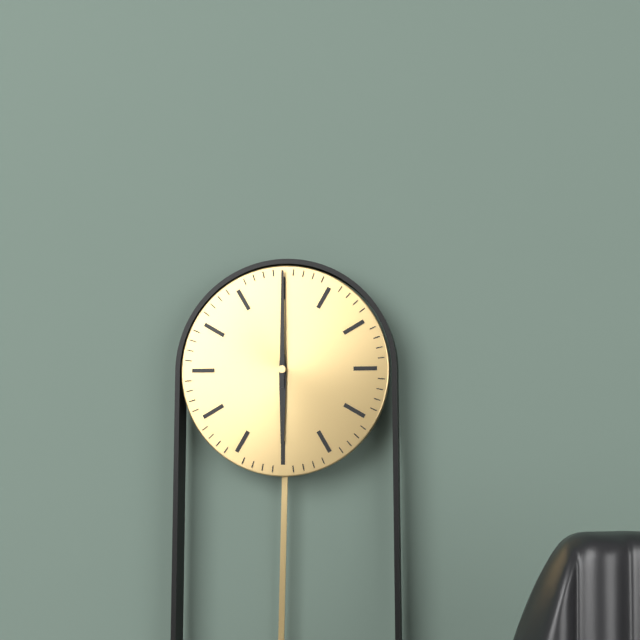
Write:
6,00
